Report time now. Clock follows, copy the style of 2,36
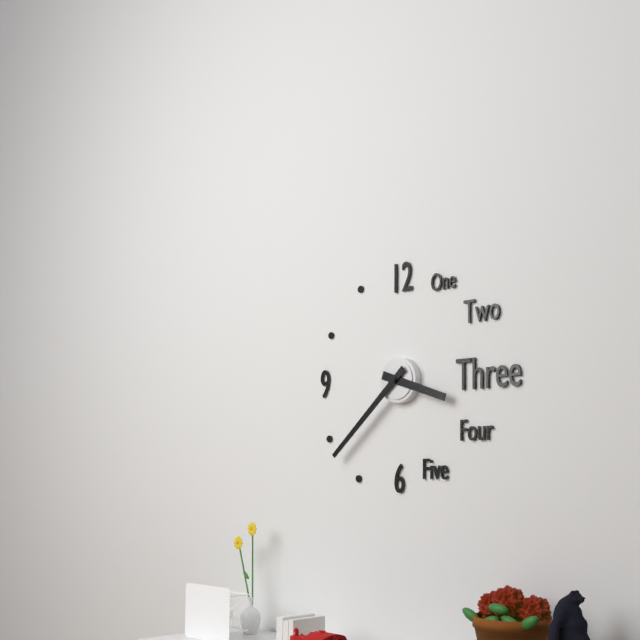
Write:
3,38
